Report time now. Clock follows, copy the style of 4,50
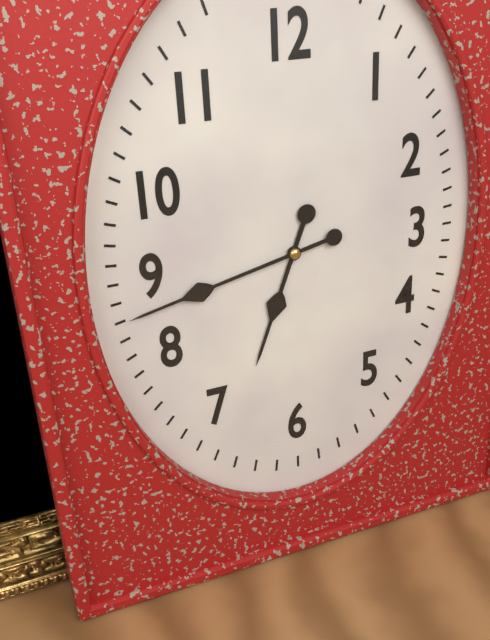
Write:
6,43
